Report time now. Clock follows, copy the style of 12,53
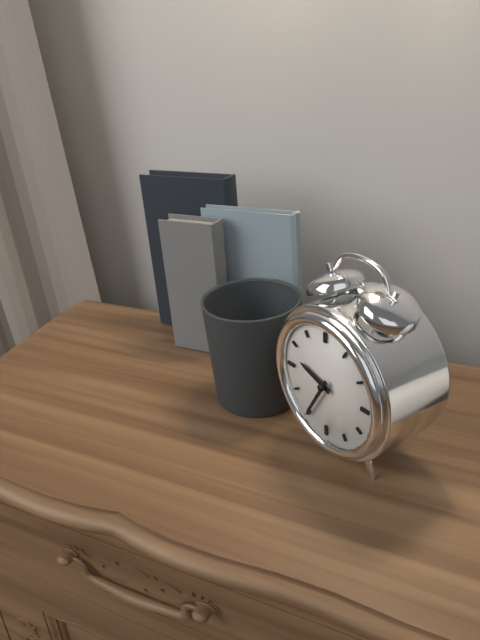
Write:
9,35
